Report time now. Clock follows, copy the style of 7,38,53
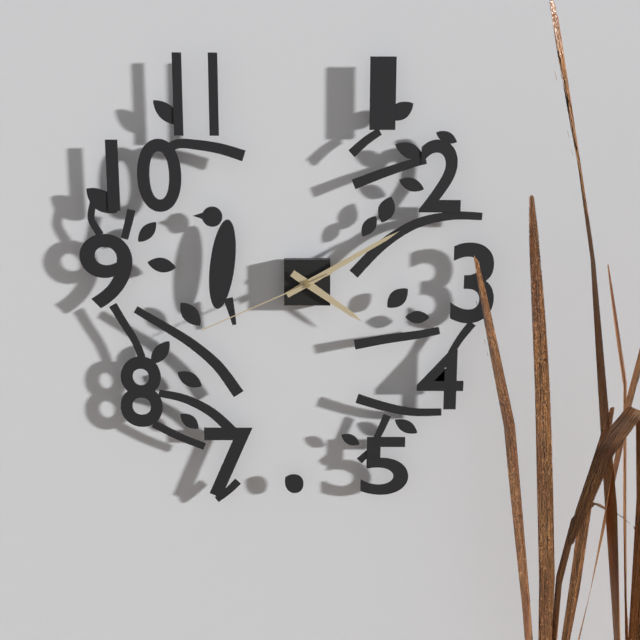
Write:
4,10,41
